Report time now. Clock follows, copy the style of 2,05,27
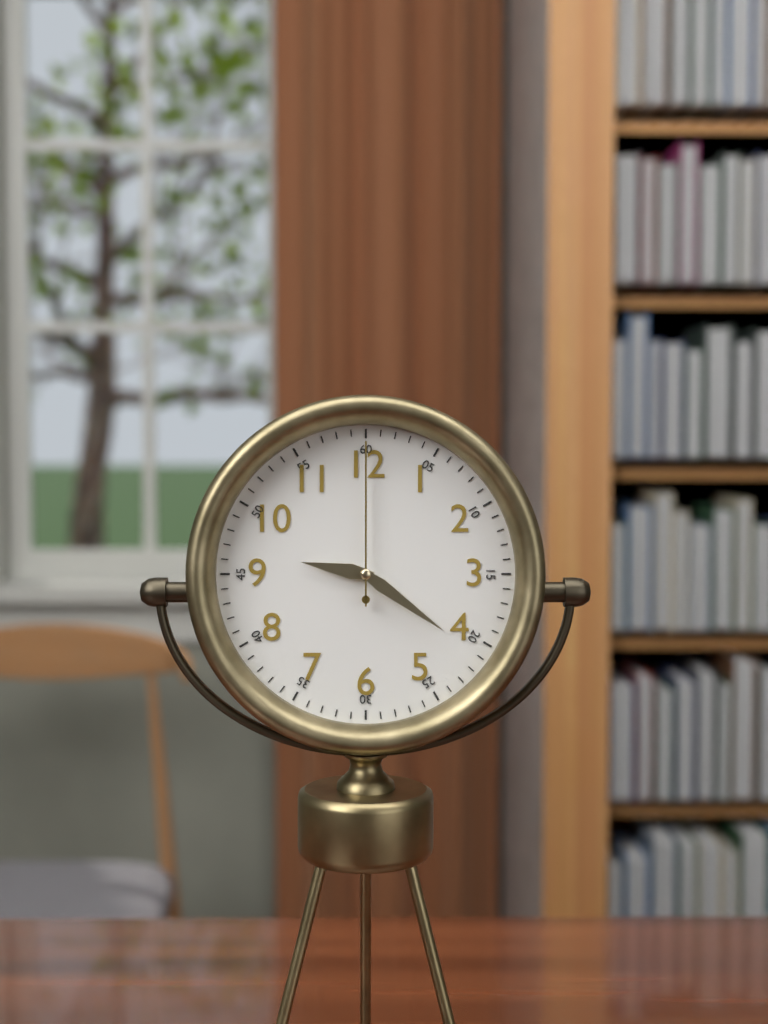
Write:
9,21,00
